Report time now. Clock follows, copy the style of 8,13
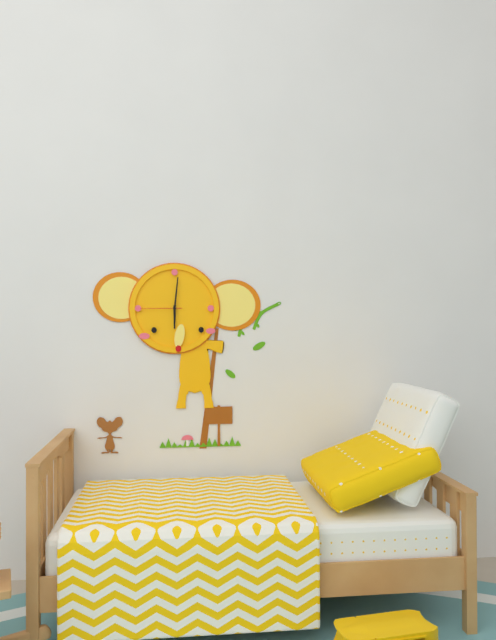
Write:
6,01
